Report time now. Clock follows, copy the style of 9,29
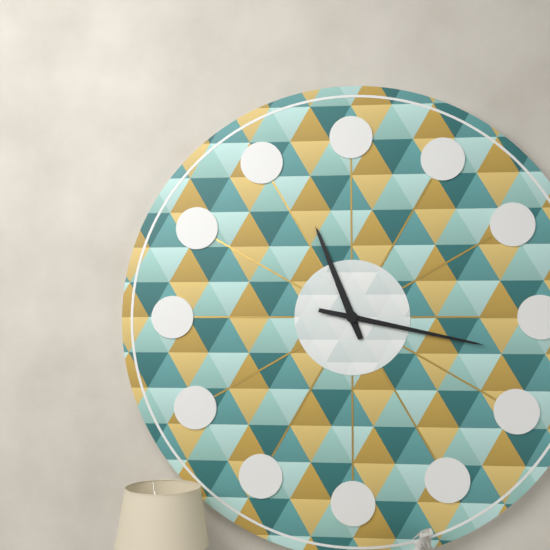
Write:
11,17
